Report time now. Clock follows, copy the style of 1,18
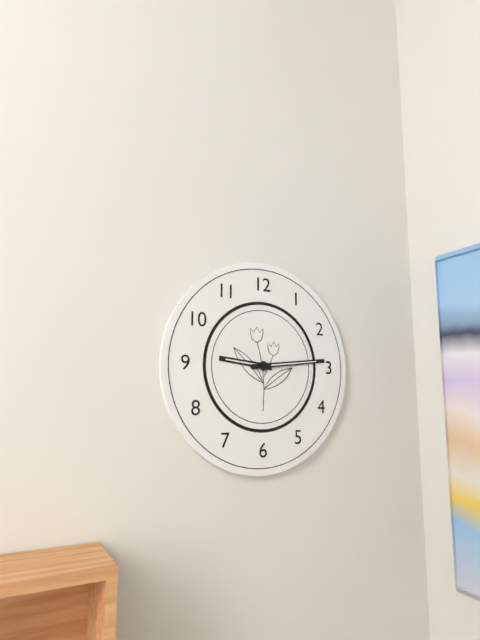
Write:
9,14
